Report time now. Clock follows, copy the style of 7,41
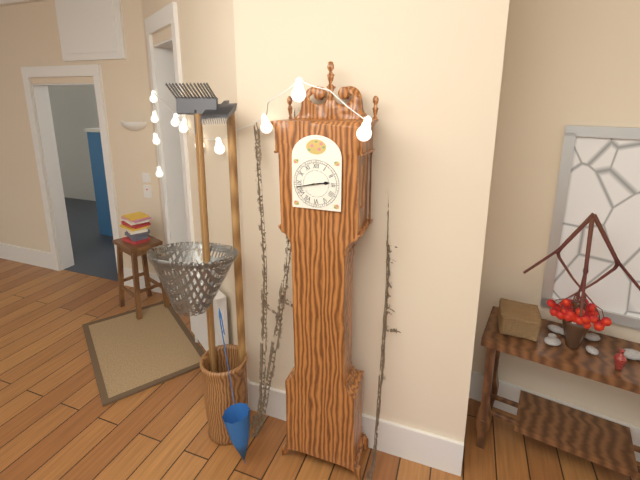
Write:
2,43
